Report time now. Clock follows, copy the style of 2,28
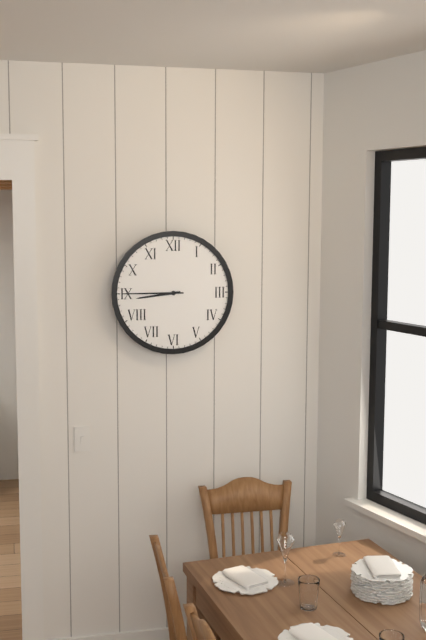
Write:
8,45
